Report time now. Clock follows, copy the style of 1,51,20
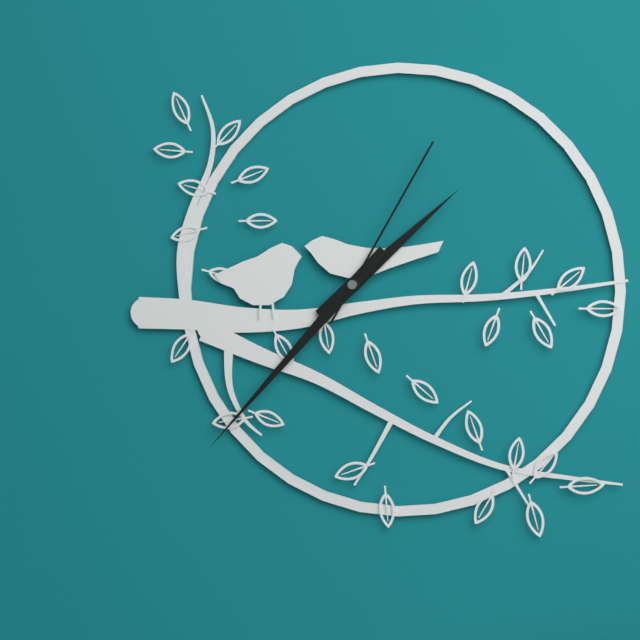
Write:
1,37,05
